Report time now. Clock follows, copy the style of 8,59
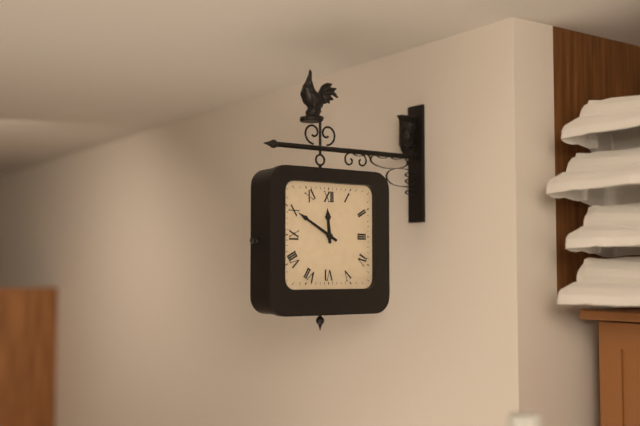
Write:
11,50
